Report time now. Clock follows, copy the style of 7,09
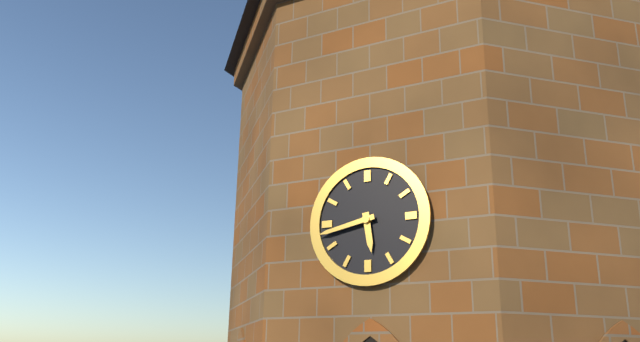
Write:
5,43
